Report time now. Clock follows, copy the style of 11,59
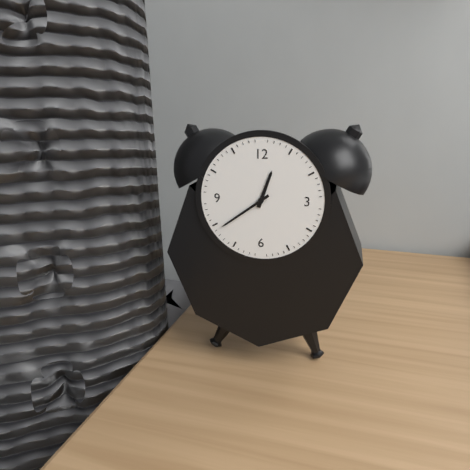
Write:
12,39
